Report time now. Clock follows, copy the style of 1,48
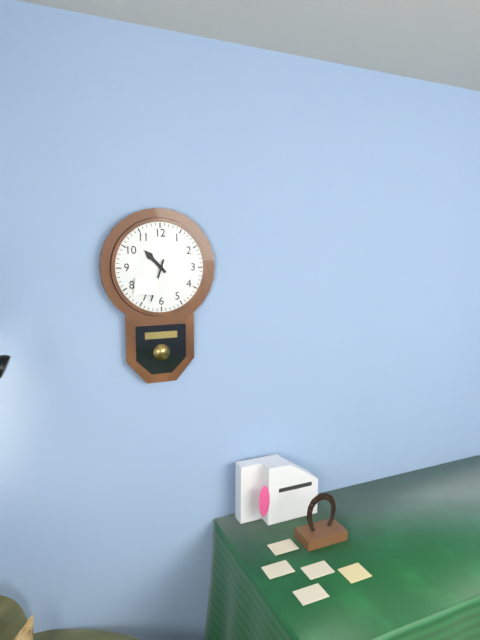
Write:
10,33
